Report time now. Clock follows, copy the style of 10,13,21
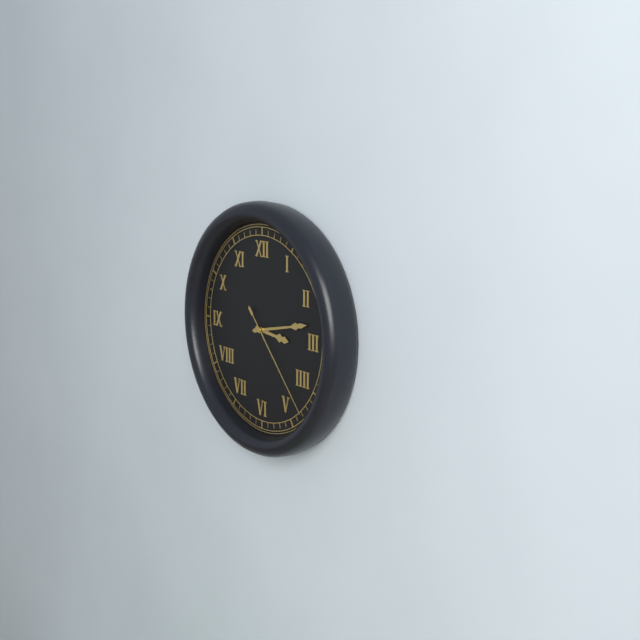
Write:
3,13,23
